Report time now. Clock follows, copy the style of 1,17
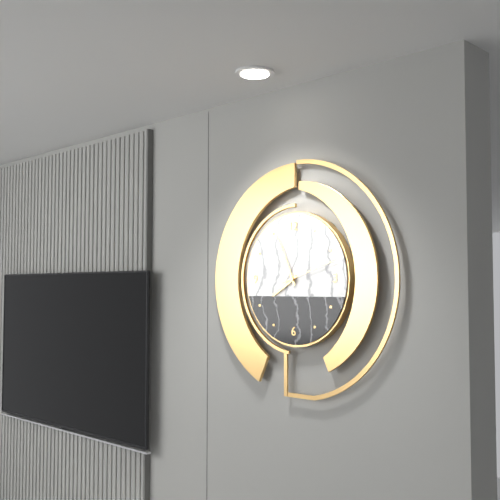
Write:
7,56
